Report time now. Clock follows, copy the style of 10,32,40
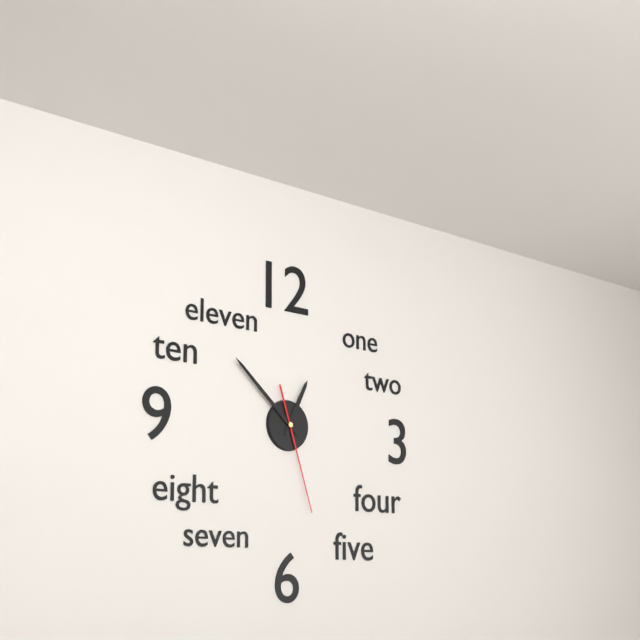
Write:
12,52,27
